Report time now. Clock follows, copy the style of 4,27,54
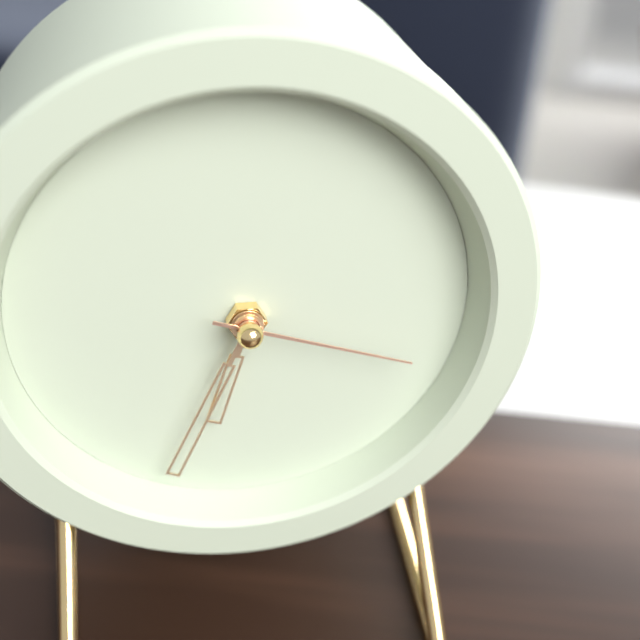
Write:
6,34,18
